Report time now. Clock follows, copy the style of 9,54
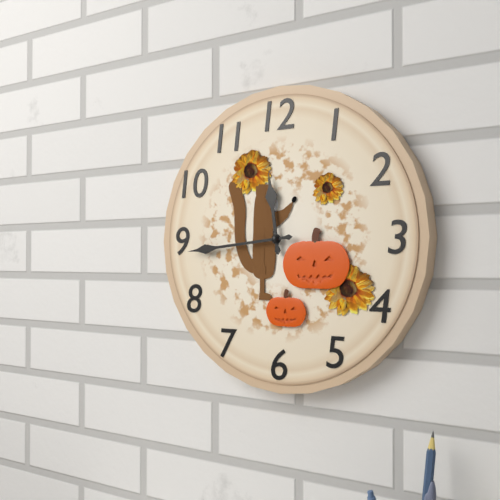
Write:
11,44
